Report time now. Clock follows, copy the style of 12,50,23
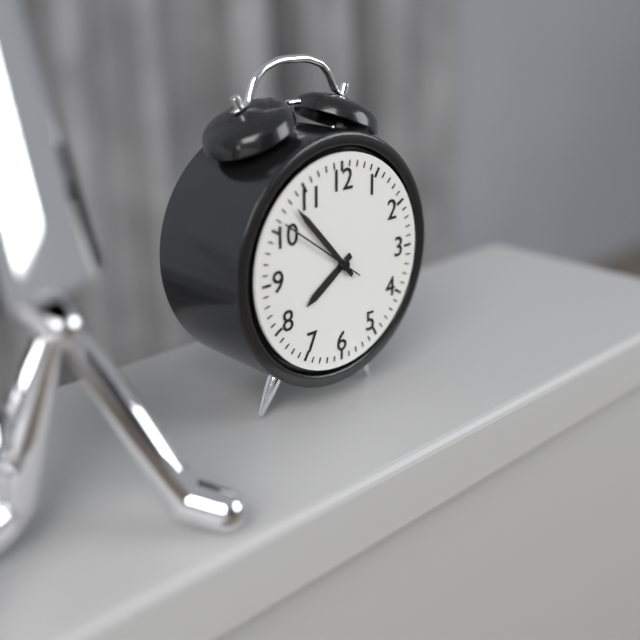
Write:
7,53,51
